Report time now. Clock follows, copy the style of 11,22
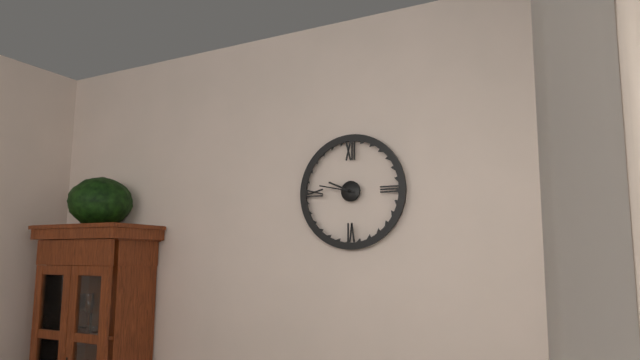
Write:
9,47
